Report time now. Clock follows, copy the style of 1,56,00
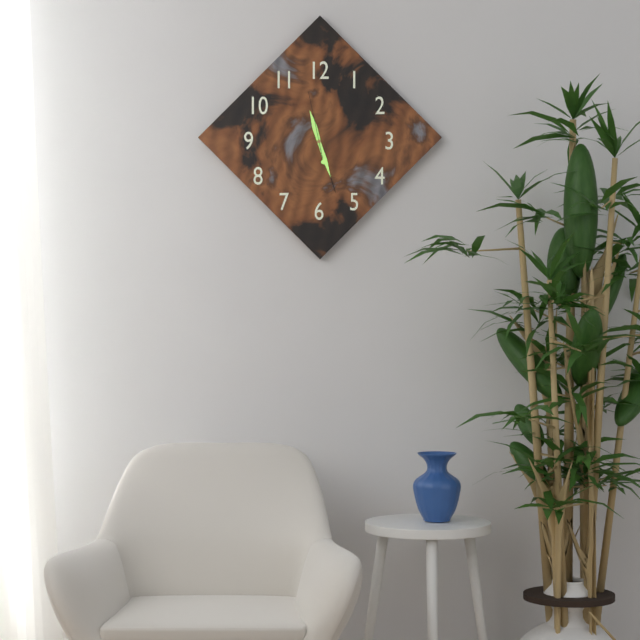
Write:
11,27,58
